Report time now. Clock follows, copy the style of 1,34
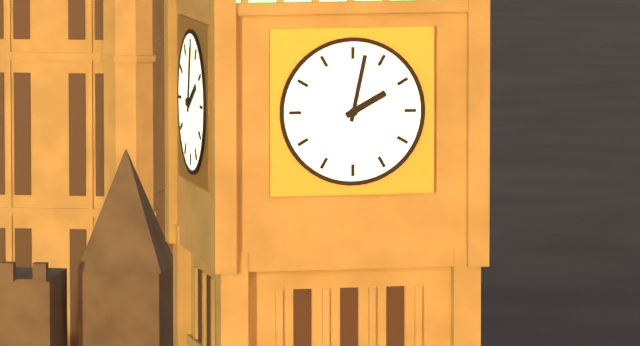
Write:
2,02
